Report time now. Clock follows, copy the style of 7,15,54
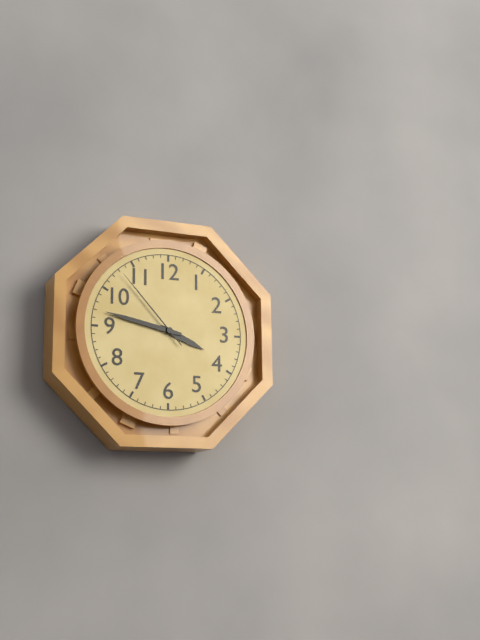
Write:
3,47,53
